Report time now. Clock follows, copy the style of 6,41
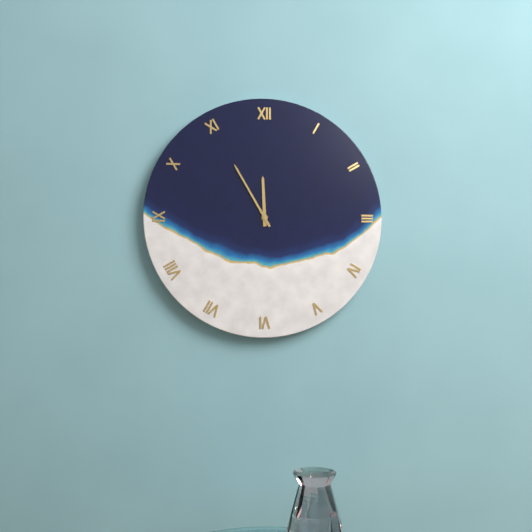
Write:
11,55
